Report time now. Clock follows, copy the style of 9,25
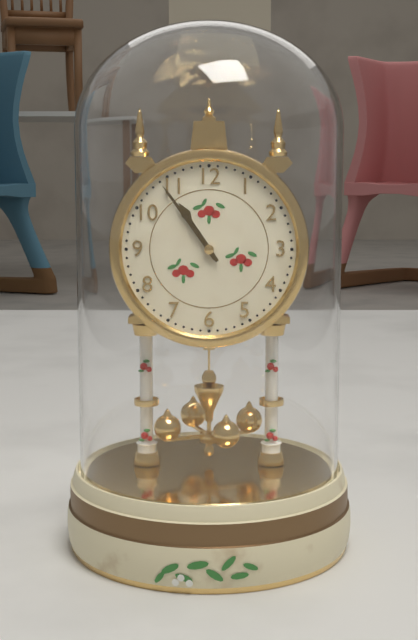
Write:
10,54
